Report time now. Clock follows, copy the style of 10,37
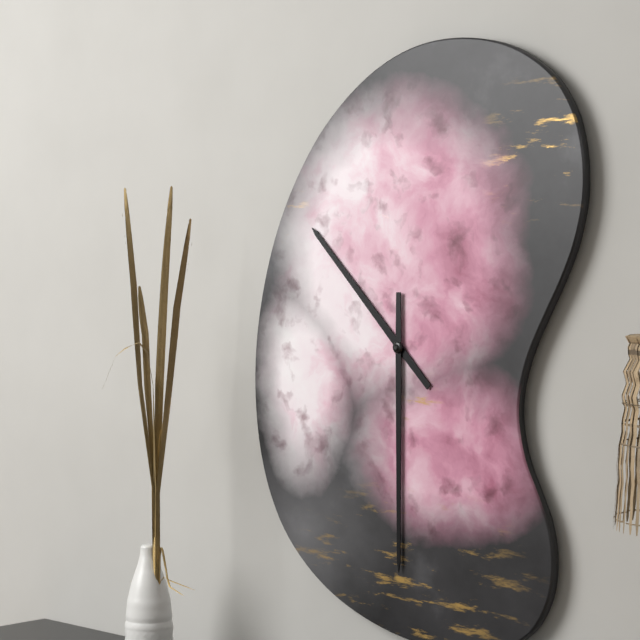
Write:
10,30
